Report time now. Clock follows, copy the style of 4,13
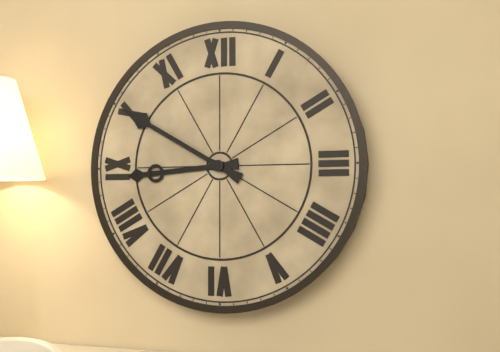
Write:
8,50
